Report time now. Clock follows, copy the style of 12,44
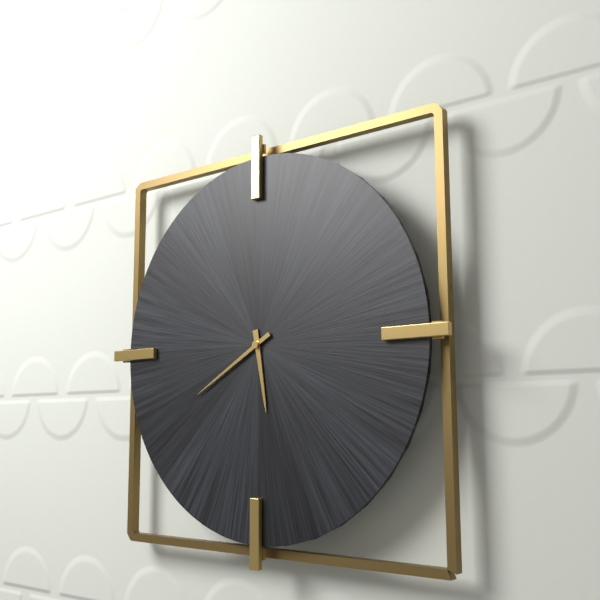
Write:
5,40
